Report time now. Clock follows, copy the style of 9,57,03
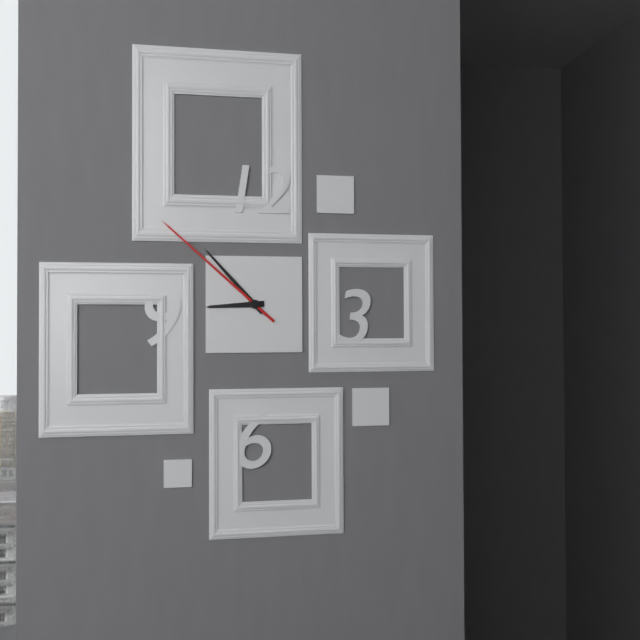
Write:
8,53,52
